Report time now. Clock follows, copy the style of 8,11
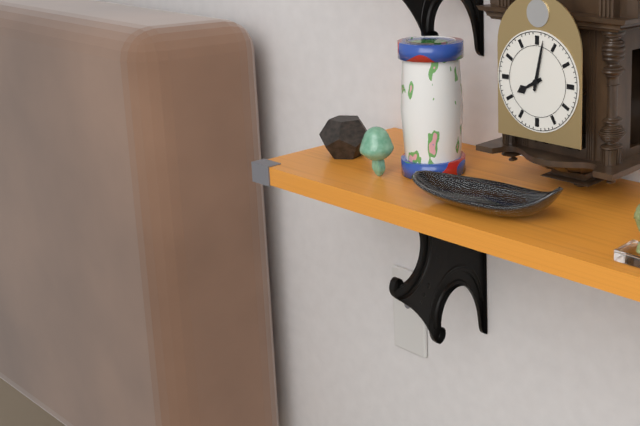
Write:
8,02
